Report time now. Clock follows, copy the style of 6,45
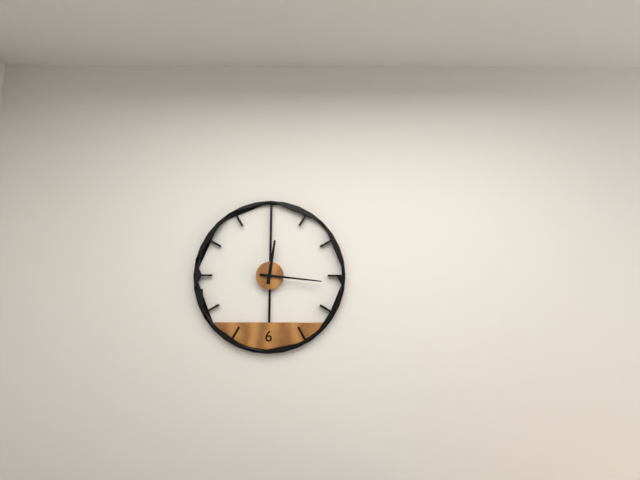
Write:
12,16
